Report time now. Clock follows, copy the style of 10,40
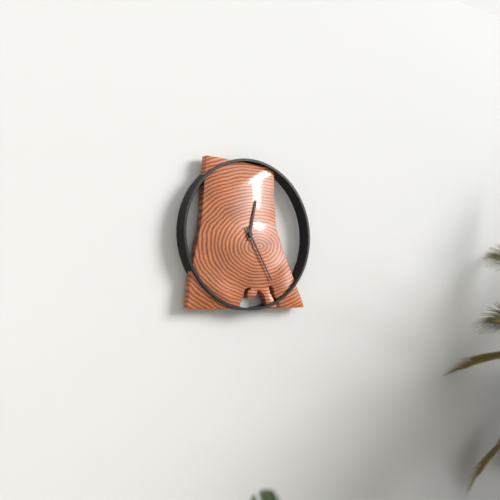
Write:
12,25
